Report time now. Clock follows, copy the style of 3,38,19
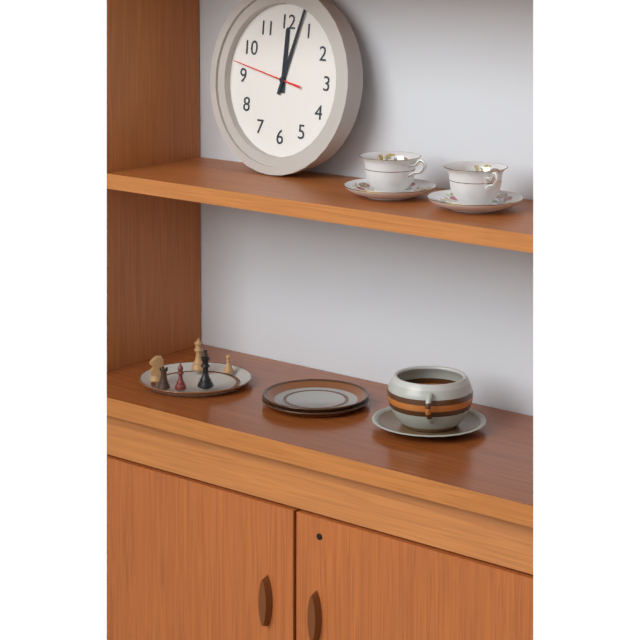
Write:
12,03,47
